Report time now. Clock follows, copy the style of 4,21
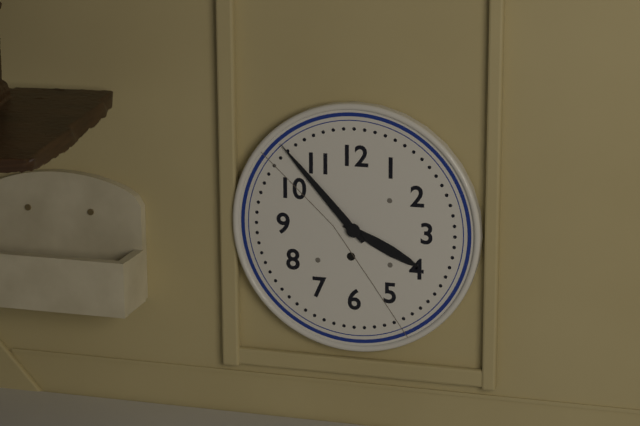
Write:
3,53
